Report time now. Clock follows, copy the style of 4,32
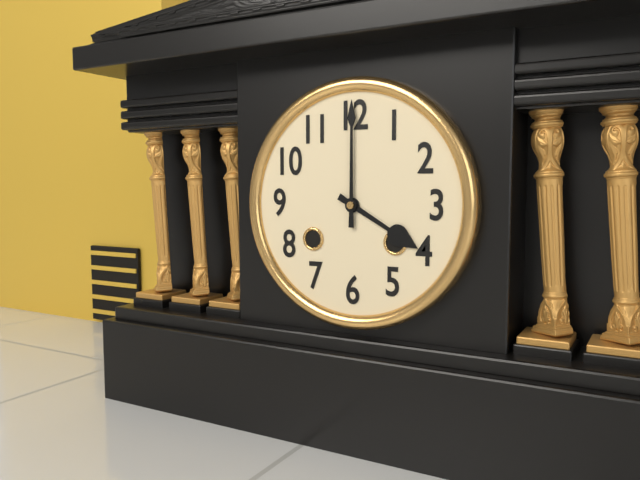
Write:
4,00
